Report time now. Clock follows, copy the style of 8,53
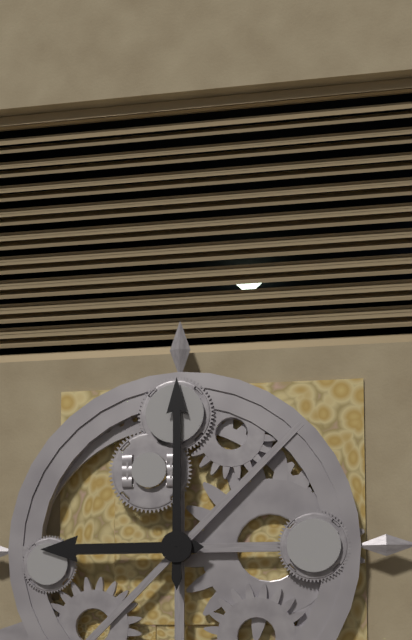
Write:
9,00
